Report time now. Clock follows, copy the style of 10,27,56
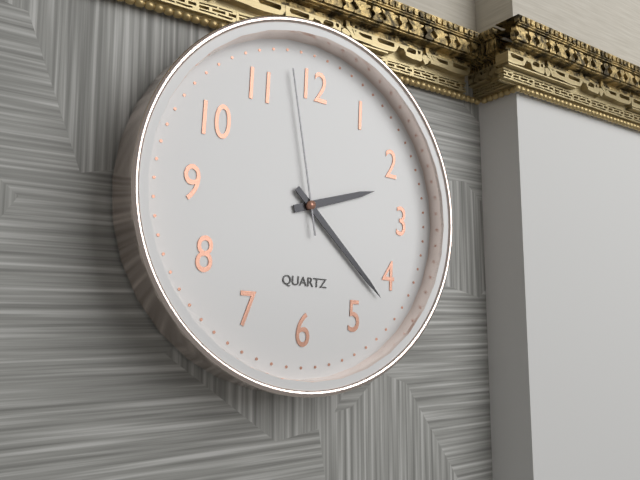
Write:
2,22,58
